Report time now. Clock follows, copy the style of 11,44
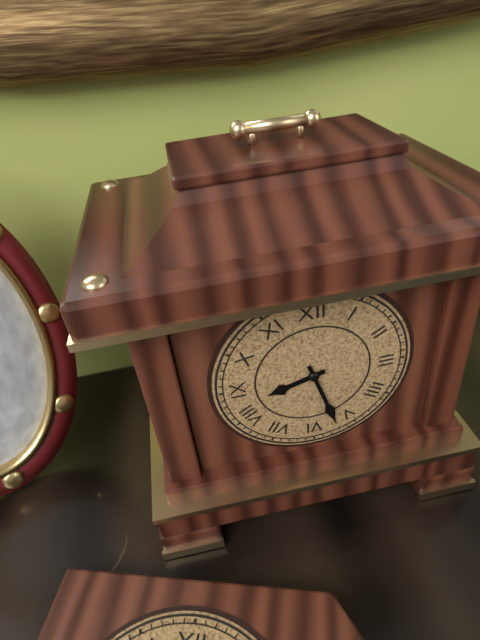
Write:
8,27
